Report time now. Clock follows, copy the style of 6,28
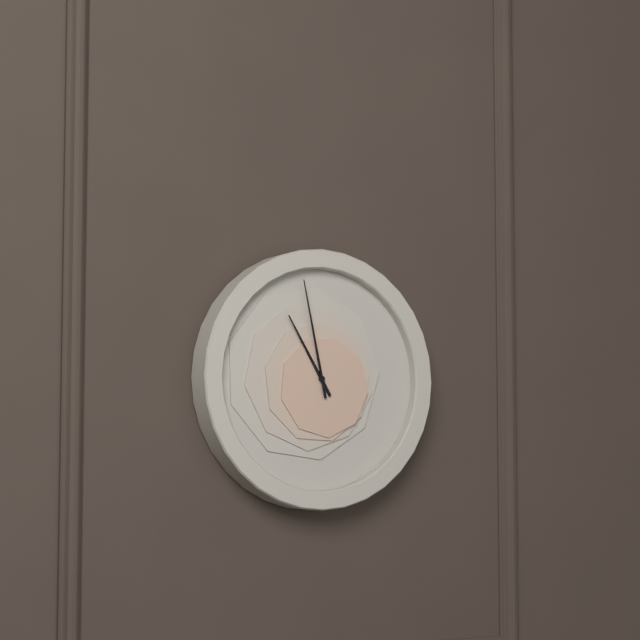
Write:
10,58
